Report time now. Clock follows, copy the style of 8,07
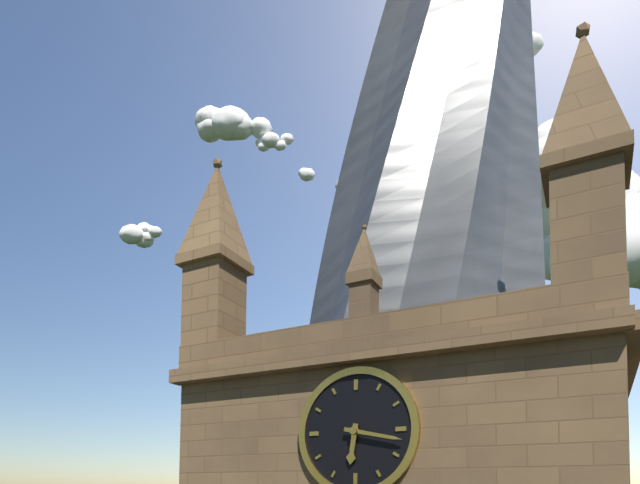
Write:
6,17
